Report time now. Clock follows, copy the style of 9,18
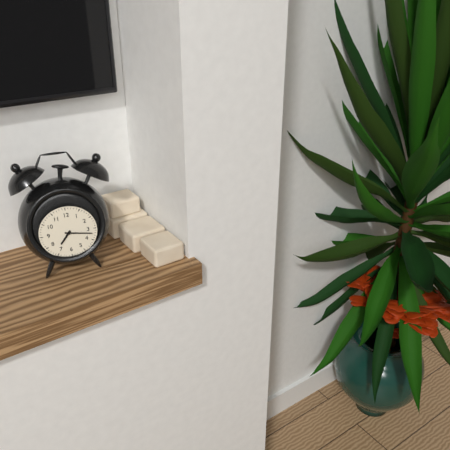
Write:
7,17
